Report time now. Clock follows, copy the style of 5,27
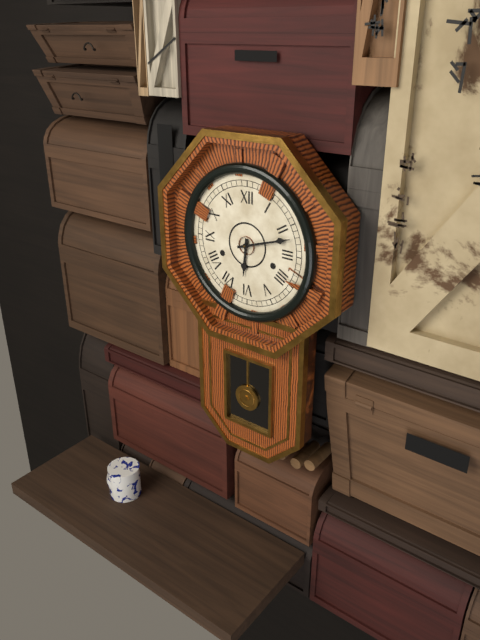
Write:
6,12
